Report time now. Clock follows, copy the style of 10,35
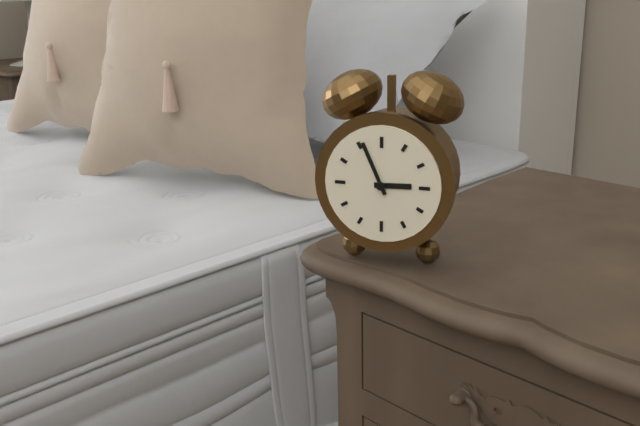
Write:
2,56
